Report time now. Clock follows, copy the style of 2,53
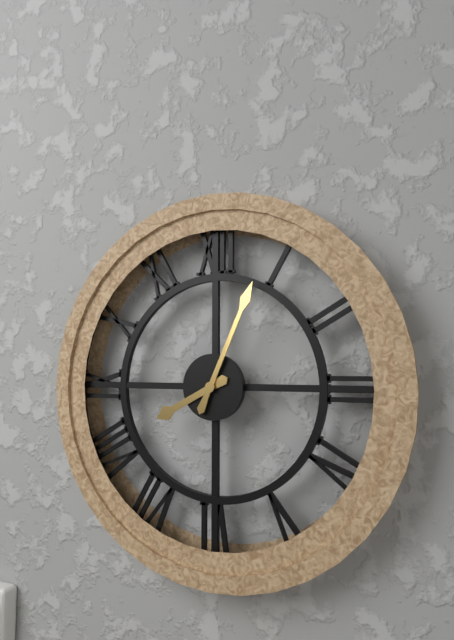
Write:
8,04
